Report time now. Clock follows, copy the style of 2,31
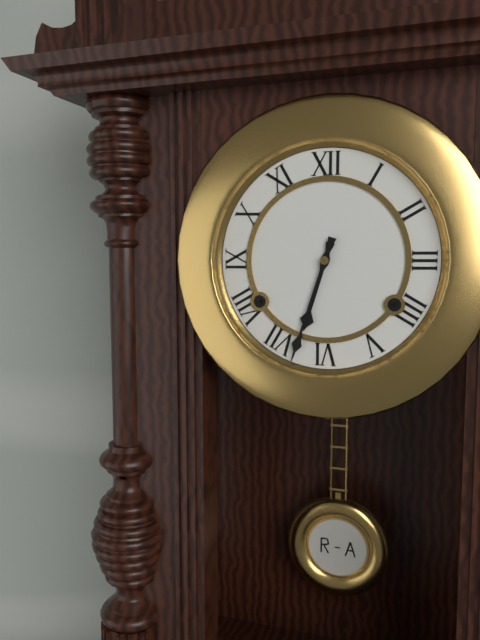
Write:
6,33
